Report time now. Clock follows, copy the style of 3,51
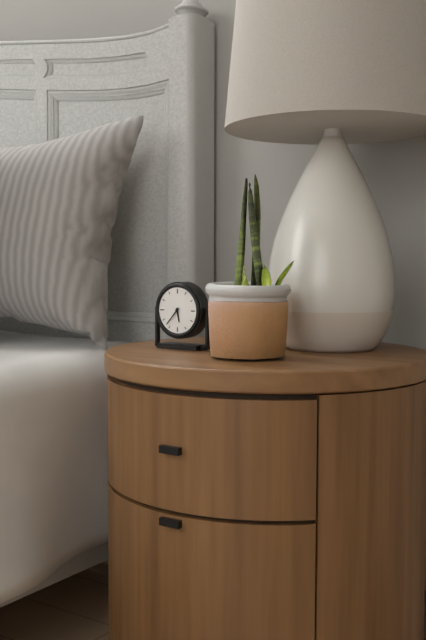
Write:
5,37
